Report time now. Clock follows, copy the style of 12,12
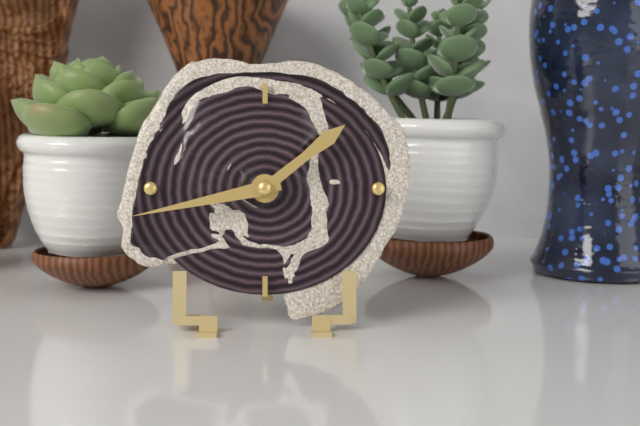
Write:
1,43
